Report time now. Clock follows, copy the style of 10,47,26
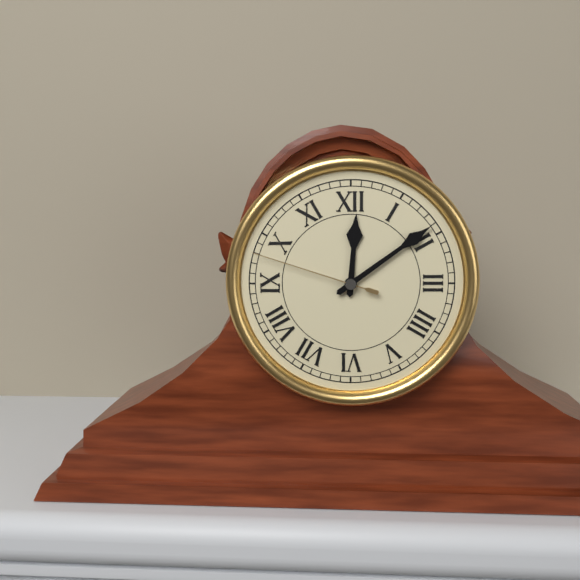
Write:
12,09,48
